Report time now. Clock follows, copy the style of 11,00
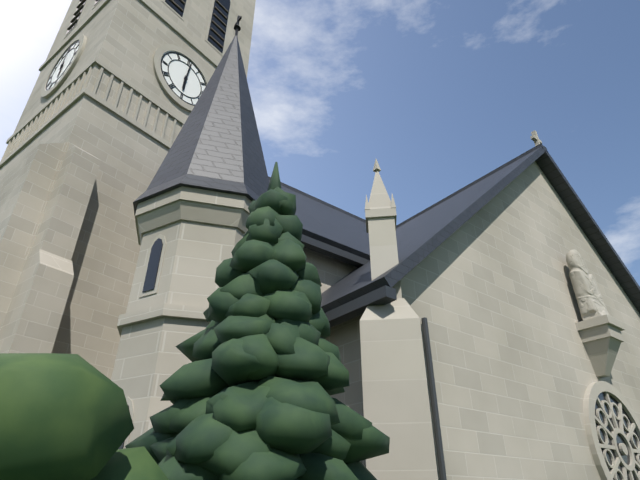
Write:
6,01
